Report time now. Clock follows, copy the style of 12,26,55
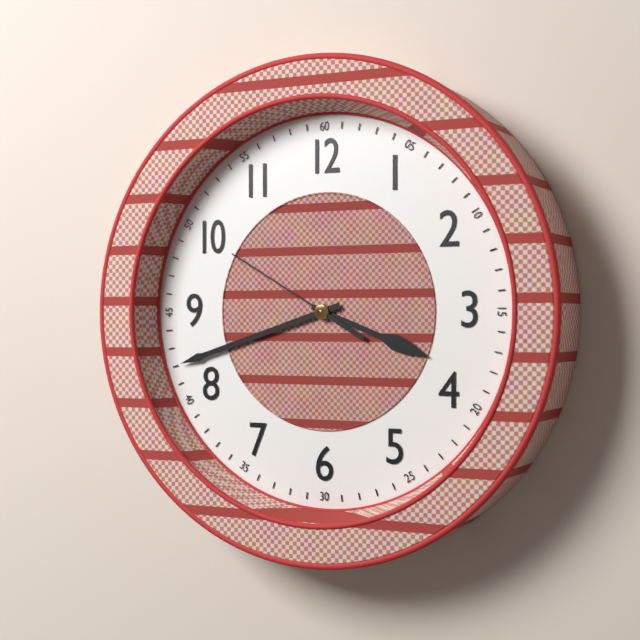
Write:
3,42,50
